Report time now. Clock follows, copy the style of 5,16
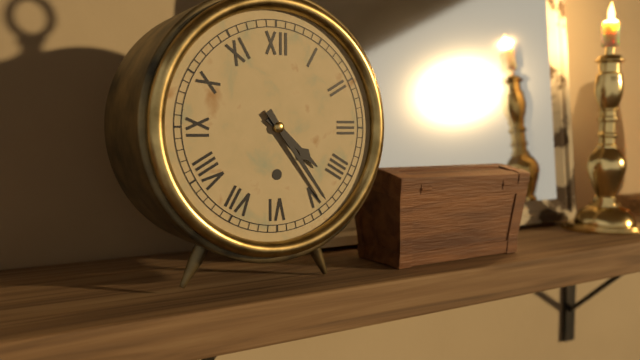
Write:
4,24
